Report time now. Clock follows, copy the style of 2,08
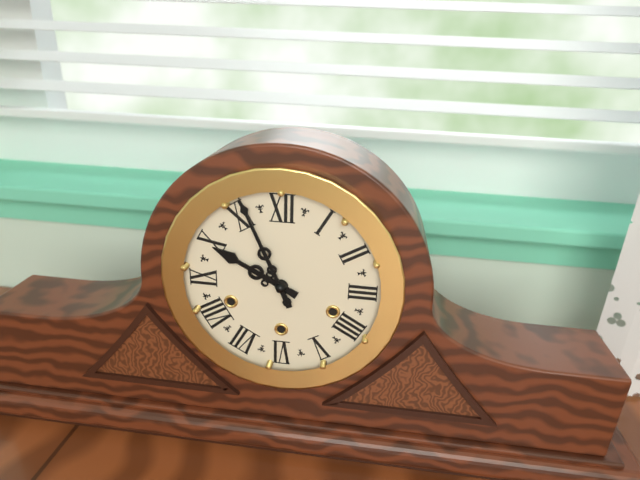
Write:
9,56
